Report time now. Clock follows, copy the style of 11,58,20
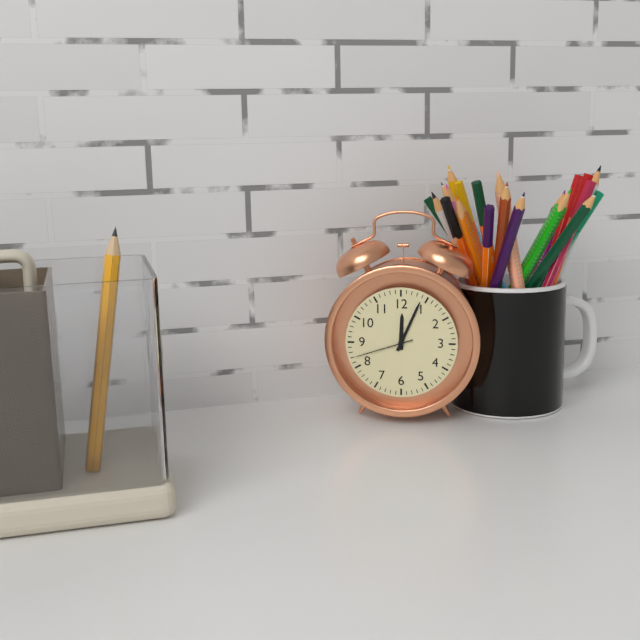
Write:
12,04,42
